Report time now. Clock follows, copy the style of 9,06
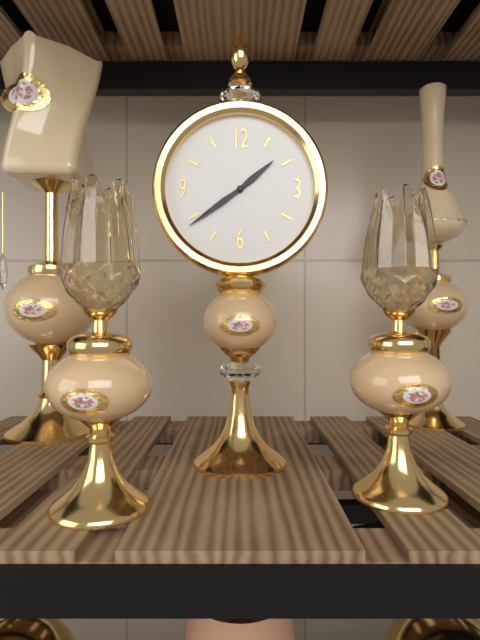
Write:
1,39
